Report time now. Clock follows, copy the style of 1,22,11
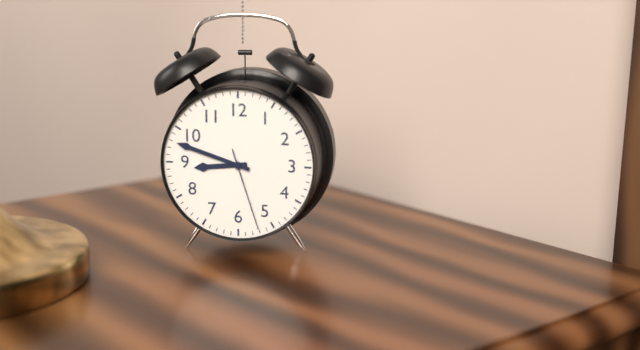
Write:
8,48,27
